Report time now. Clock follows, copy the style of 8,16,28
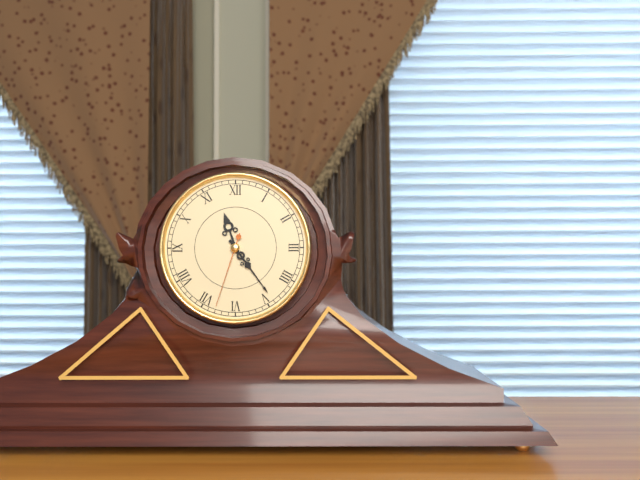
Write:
11,24,33
